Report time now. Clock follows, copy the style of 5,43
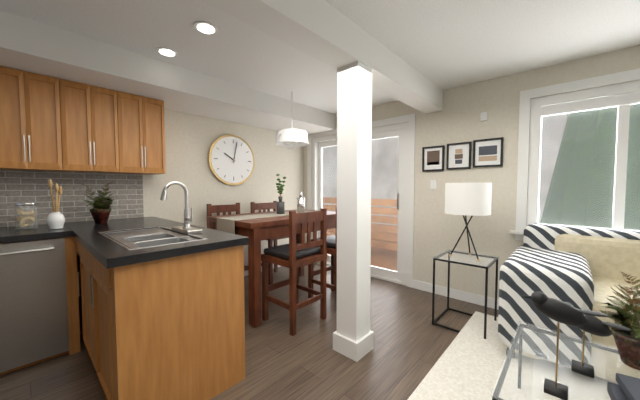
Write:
10,02
